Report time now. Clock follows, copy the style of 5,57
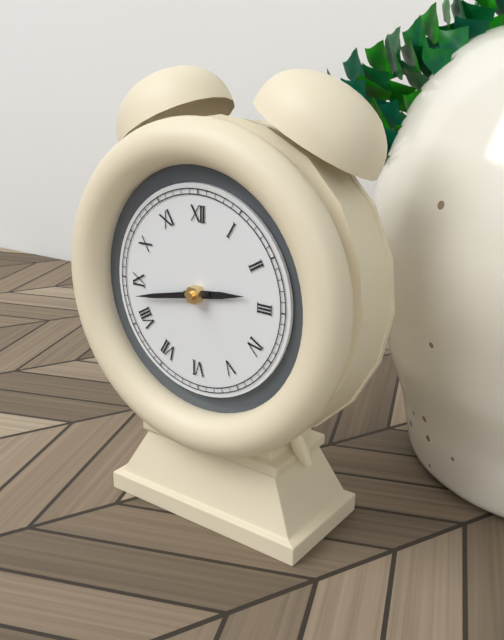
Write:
2,43
